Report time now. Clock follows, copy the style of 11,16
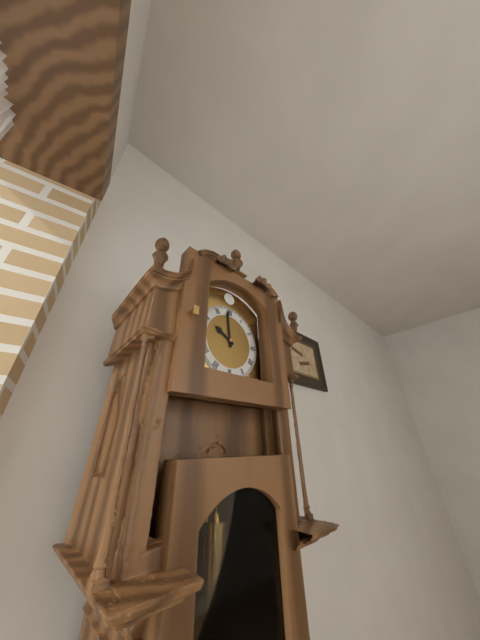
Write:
9,59
